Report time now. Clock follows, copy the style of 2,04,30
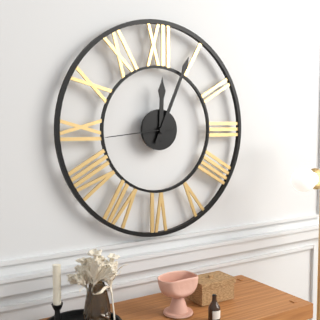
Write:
12,04,44
